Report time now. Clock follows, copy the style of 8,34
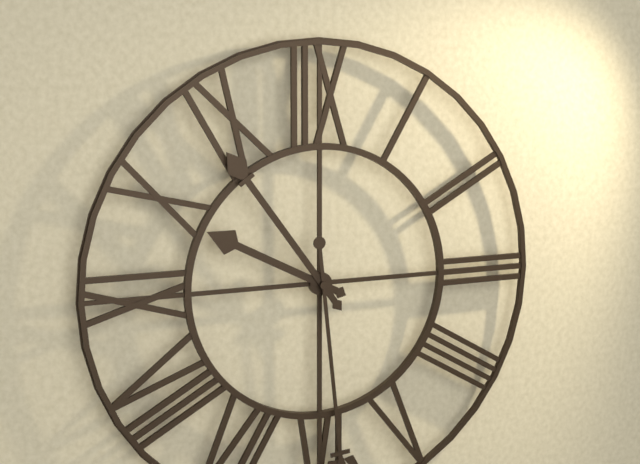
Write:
9,54
